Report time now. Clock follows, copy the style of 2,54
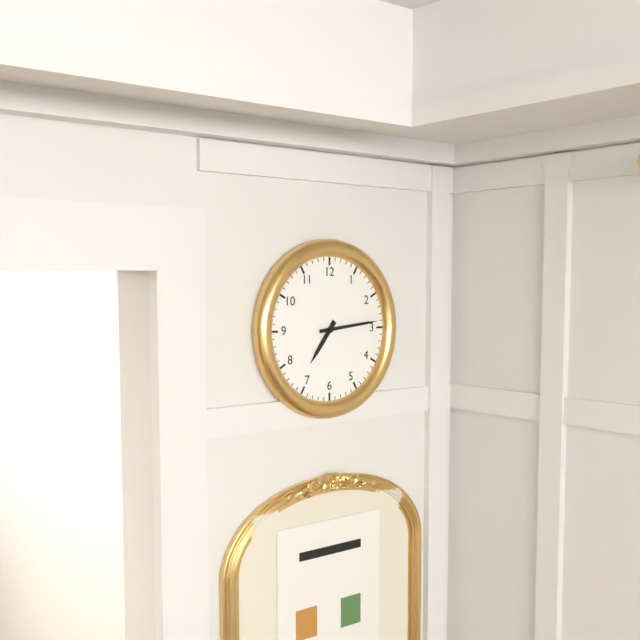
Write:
7,14
